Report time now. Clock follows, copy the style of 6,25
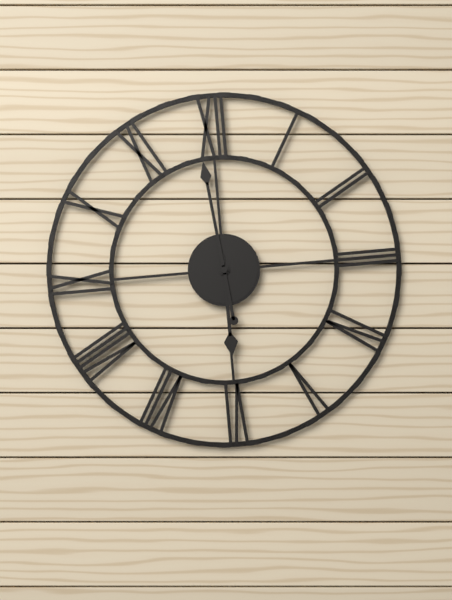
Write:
5,59
